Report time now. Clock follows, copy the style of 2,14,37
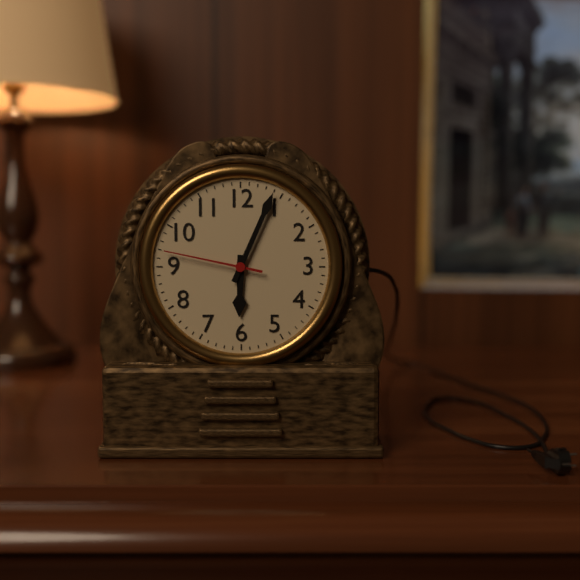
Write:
6,04,47
